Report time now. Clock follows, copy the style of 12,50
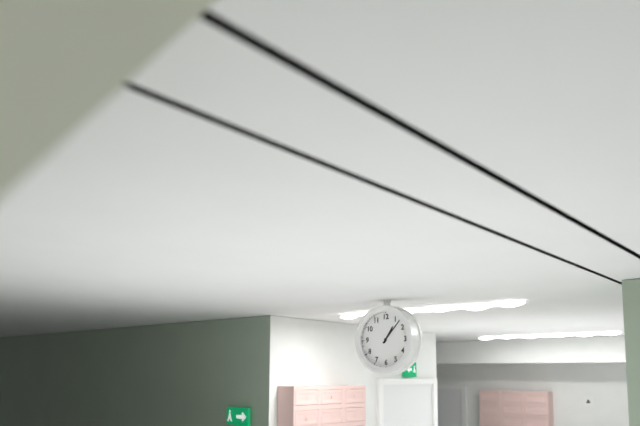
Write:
1,07
